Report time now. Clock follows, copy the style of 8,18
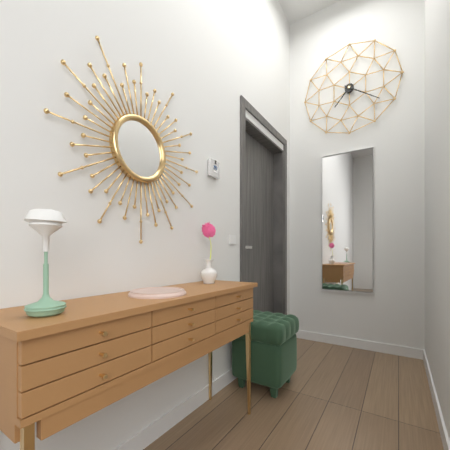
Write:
7,21
